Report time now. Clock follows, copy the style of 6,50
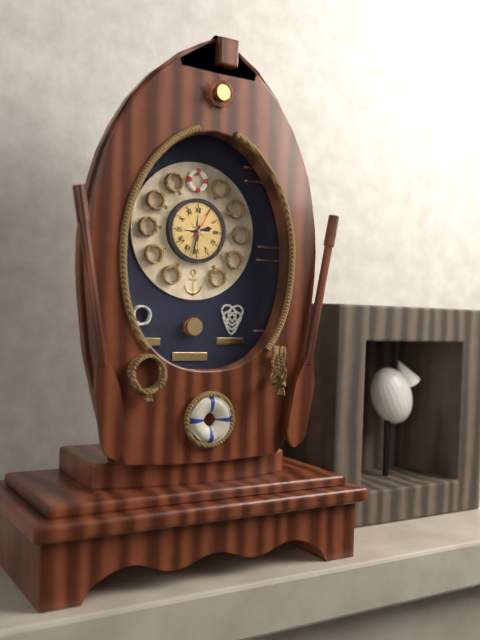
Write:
2,32
